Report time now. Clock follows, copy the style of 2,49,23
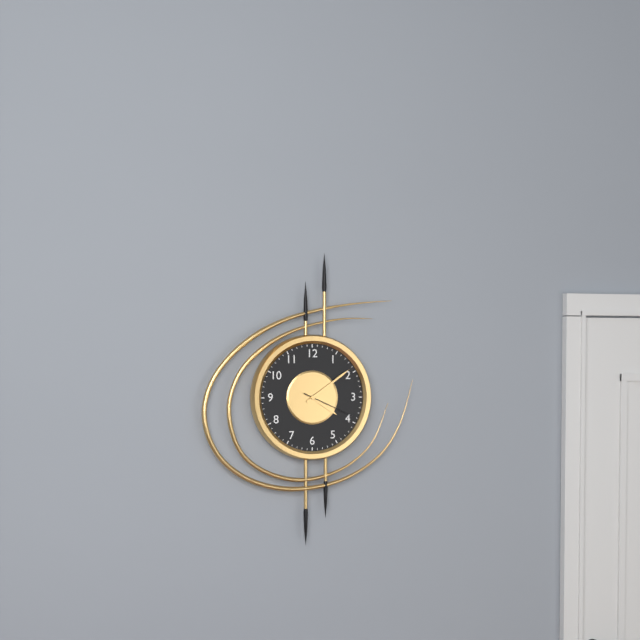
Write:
4,09,19
